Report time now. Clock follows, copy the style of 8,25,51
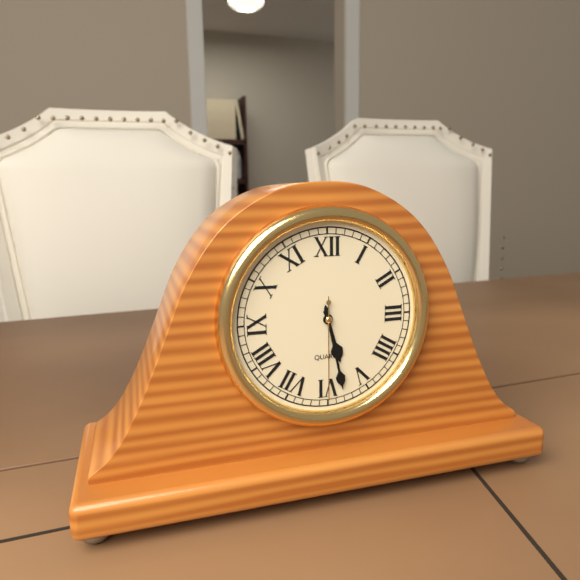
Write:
5,28,30
